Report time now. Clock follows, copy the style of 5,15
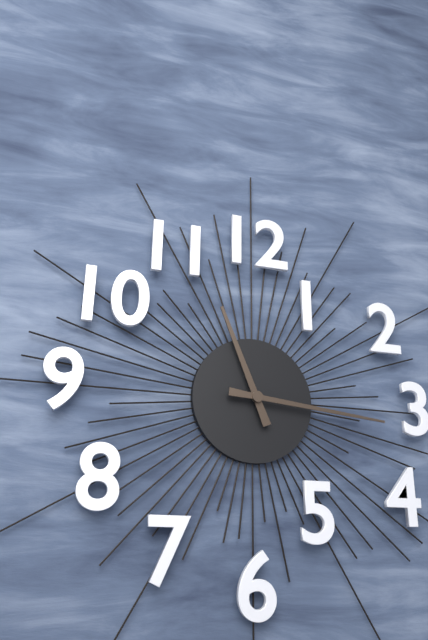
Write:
11,16
